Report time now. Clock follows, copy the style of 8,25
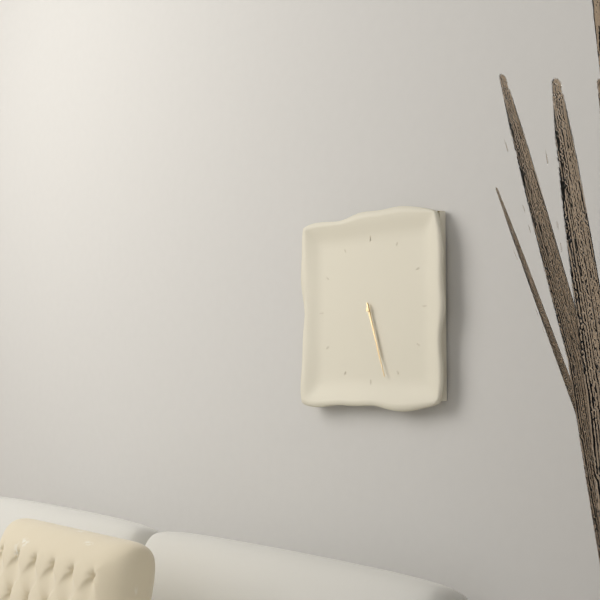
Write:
5,27
